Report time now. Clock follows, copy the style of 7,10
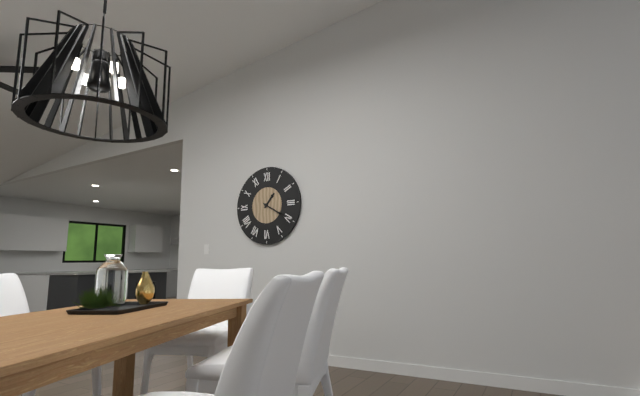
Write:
1,20
